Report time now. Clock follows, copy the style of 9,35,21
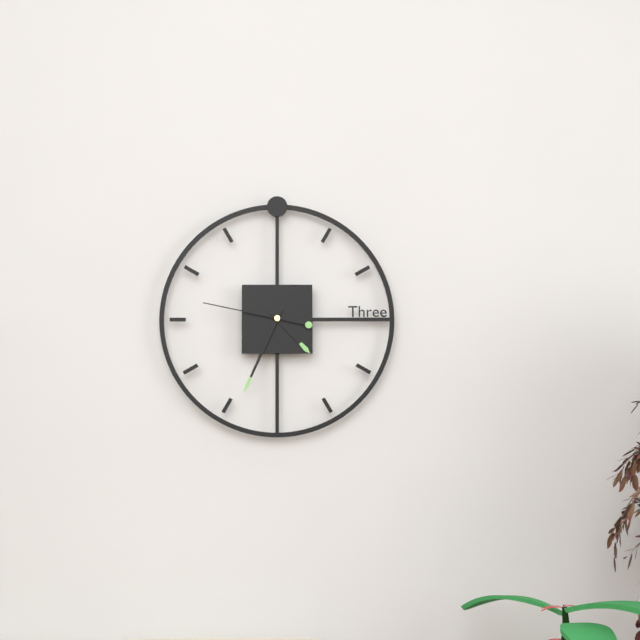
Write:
4,34,47
